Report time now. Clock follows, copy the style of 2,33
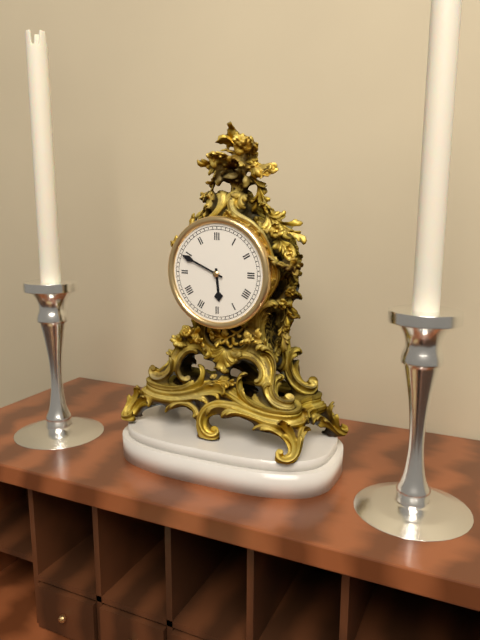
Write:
5,49
